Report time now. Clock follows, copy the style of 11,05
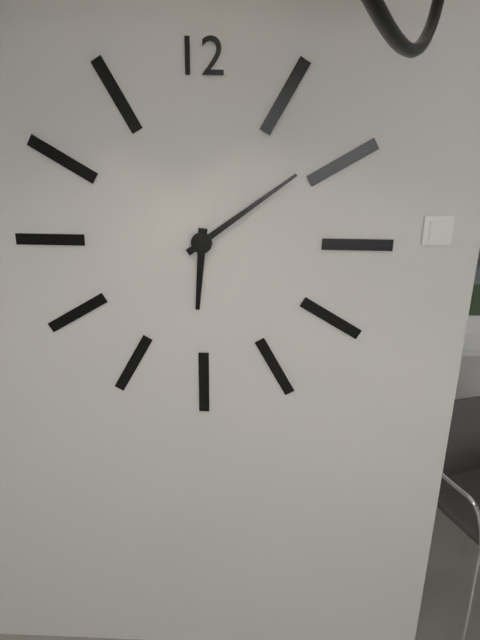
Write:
6,09
